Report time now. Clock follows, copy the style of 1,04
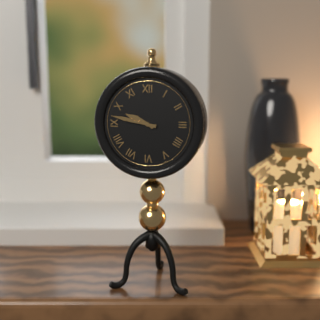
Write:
9,47
